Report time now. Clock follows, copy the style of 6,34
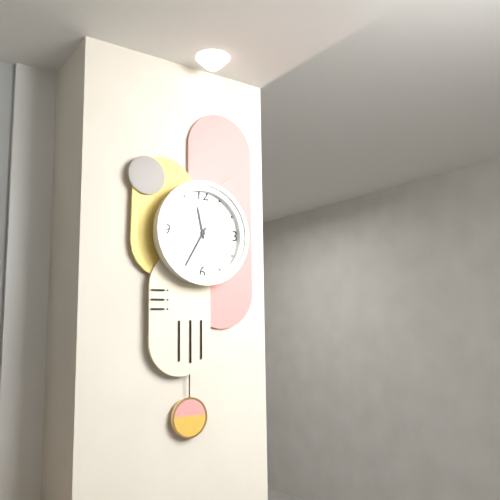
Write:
11,35
